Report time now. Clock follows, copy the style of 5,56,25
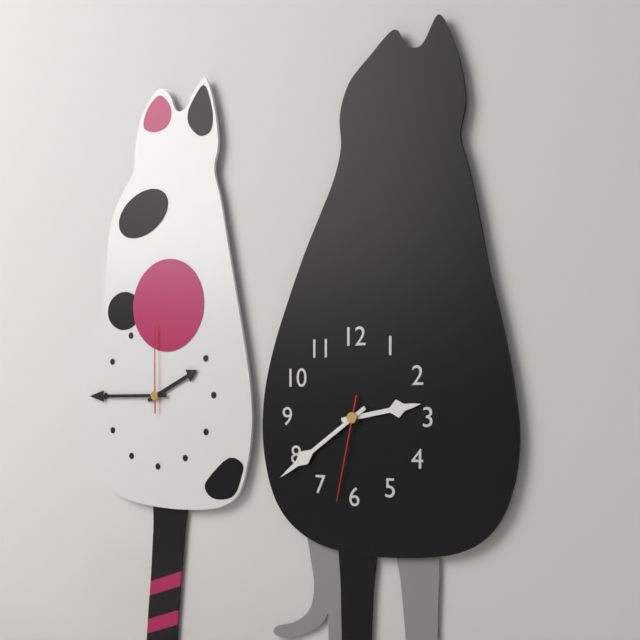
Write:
2,39,32
